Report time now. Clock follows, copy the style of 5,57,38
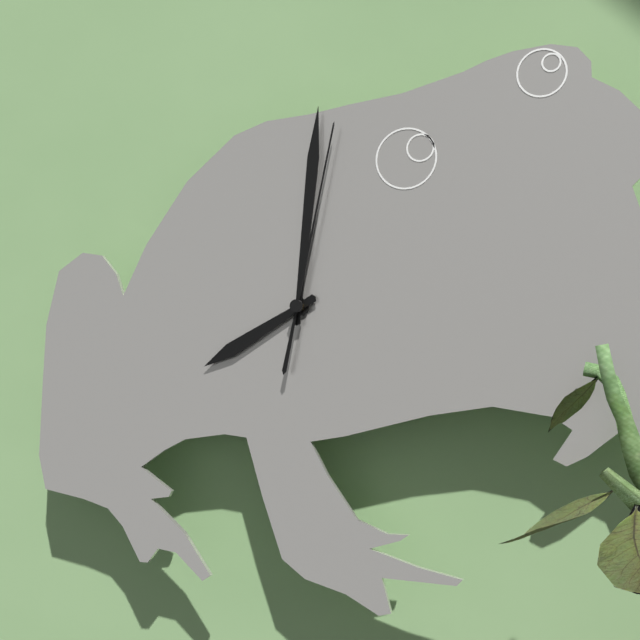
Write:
8,01,02
